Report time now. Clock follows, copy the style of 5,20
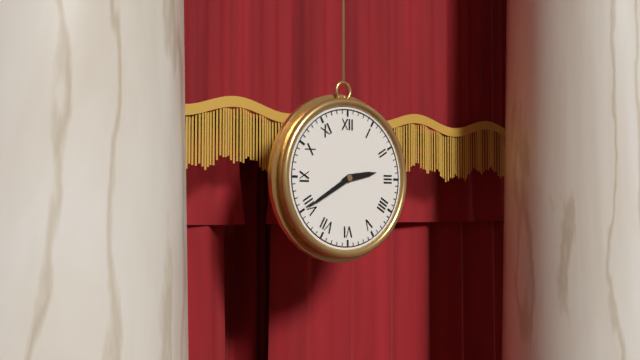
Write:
2,40
